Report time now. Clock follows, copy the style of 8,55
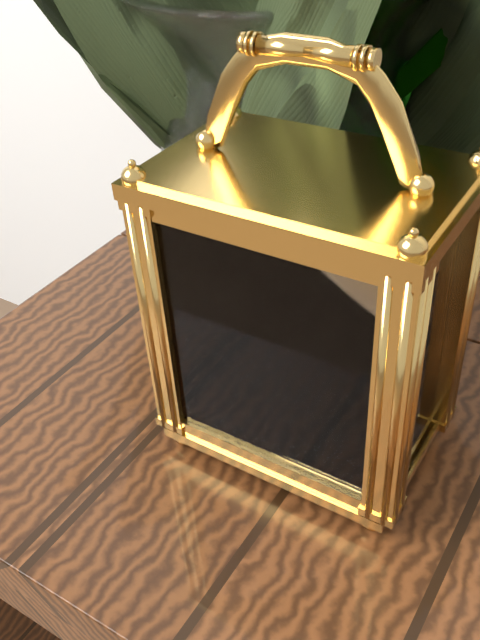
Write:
2,35
